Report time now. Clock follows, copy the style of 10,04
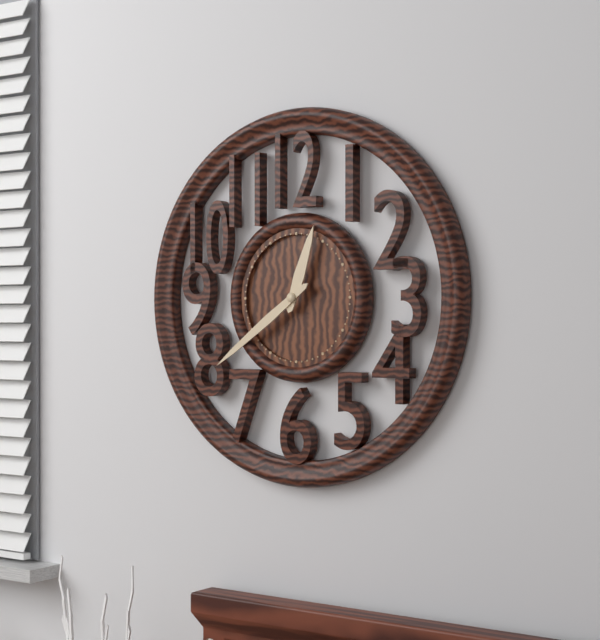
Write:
12,39
